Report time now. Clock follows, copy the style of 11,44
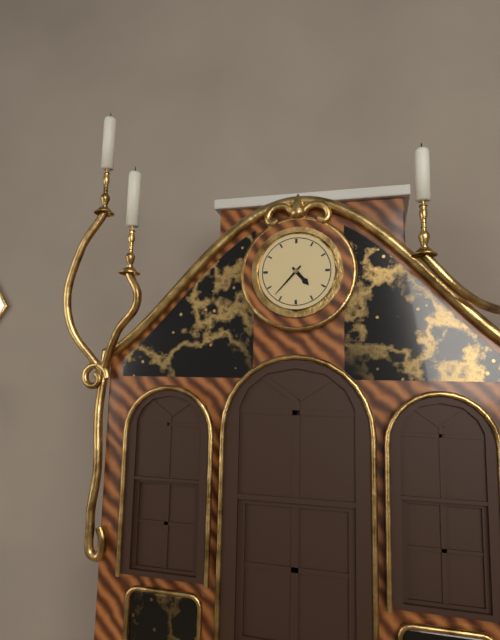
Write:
4,37
